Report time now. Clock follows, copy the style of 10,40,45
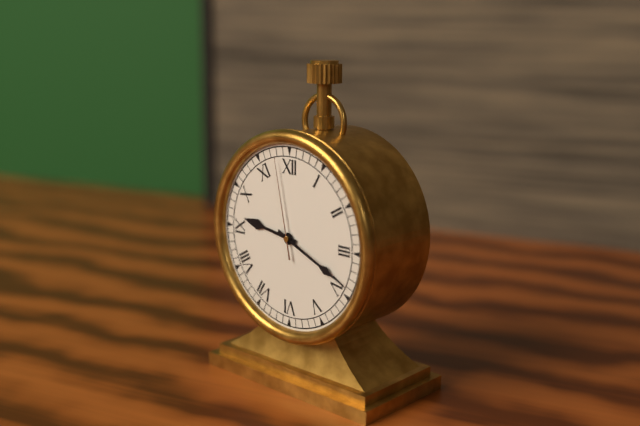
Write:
9,19,58
